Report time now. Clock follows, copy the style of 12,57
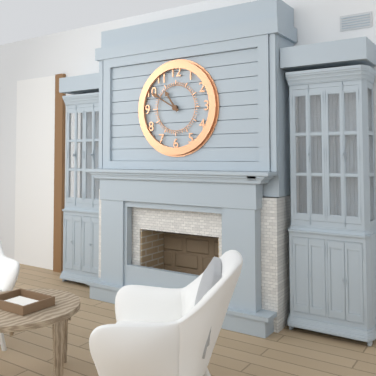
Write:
10,50
